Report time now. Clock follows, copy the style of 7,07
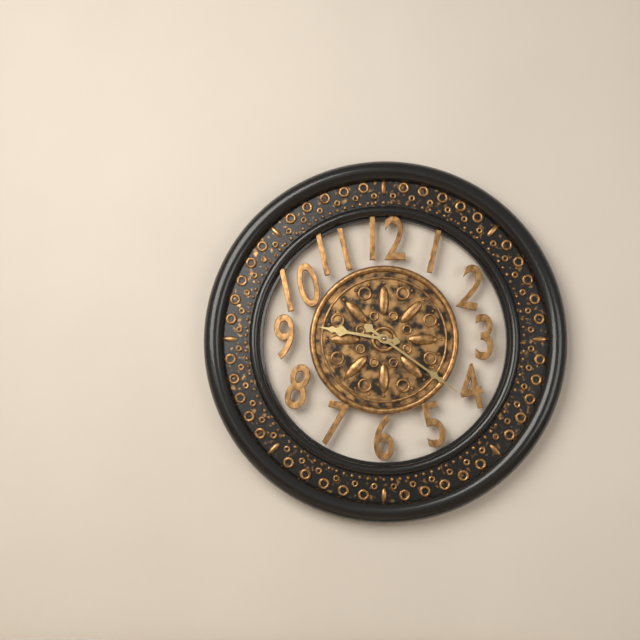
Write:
9,21
